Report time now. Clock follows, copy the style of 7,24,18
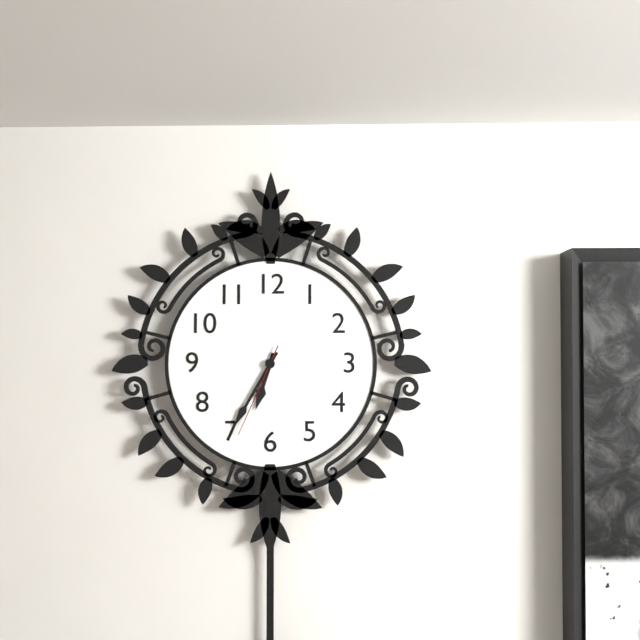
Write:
6,35,34
